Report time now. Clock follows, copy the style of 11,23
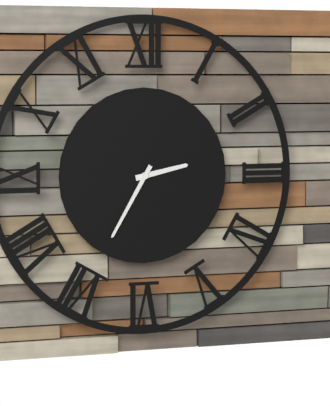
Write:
2,35
